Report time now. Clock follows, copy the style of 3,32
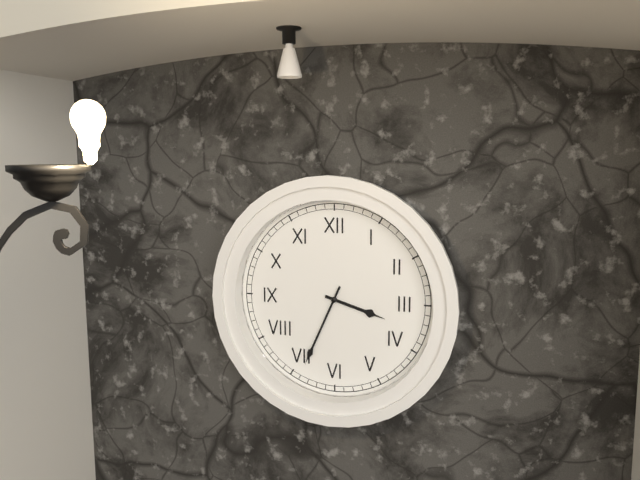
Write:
3,34
